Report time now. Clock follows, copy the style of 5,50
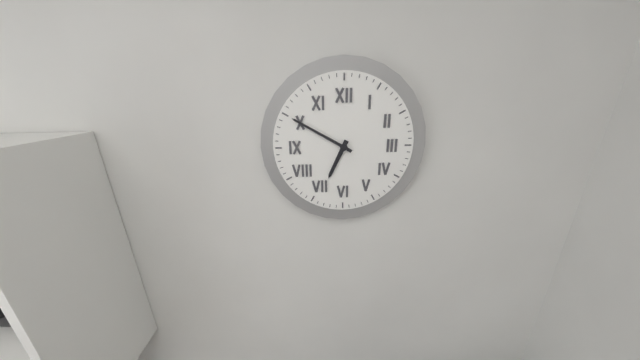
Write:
6,50
